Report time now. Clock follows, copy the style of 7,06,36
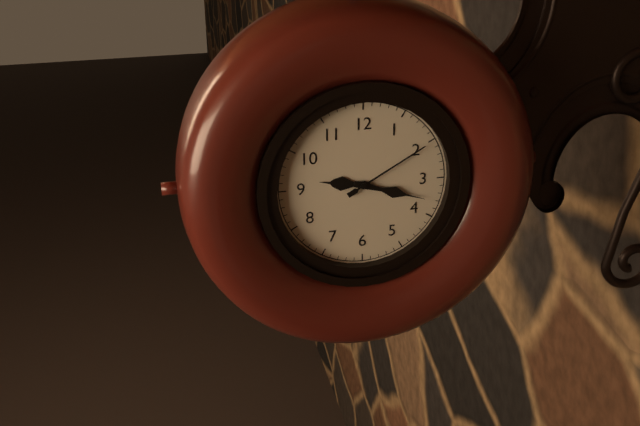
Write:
9,18,10
